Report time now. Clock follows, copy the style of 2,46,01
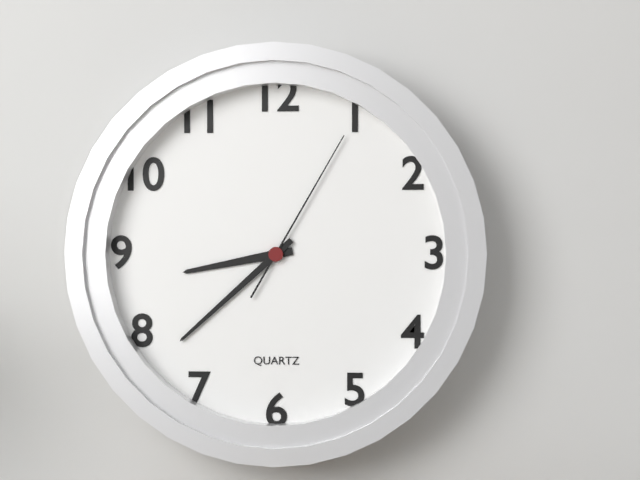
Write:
8,38,05
